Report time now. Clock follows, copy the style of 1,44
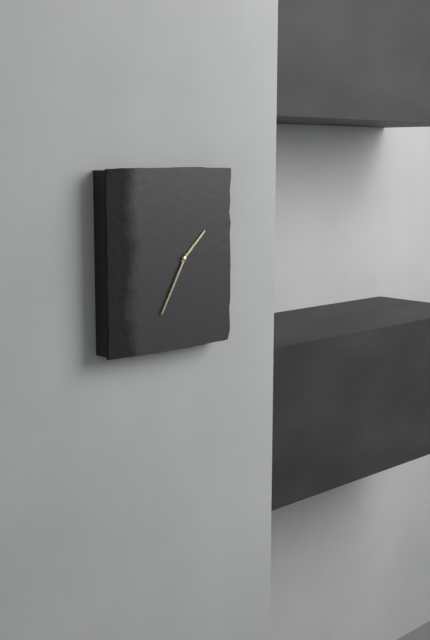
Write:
1,35
